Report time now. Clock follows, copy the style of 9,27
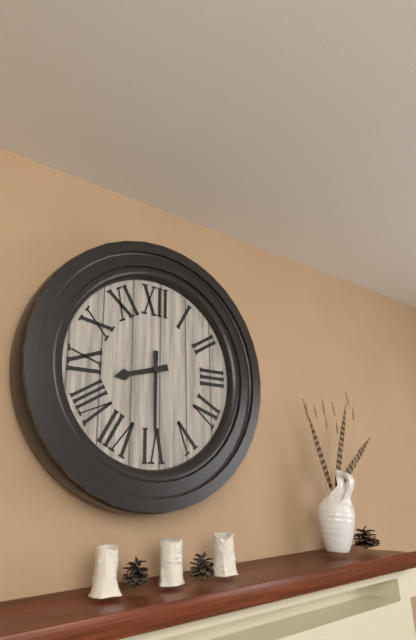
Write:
8,30
